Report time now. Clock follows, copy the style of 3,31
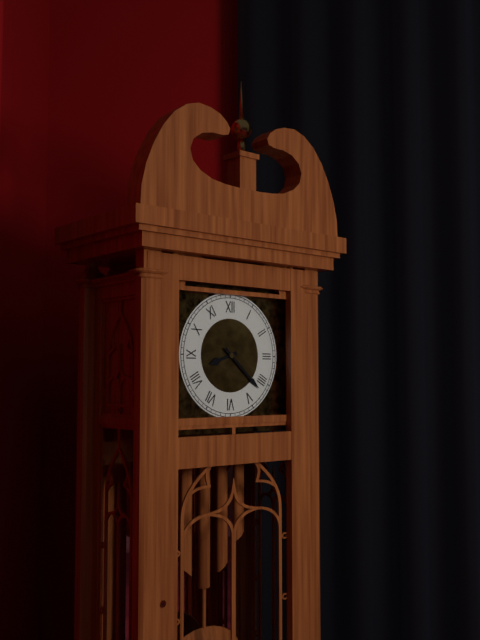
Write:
8,22
